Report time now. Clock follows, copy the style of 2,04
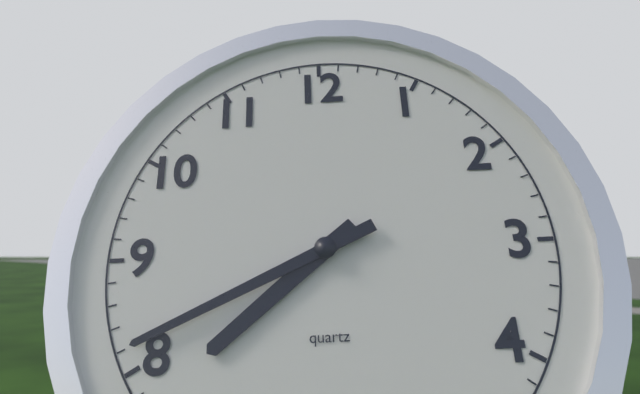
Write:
7,41
